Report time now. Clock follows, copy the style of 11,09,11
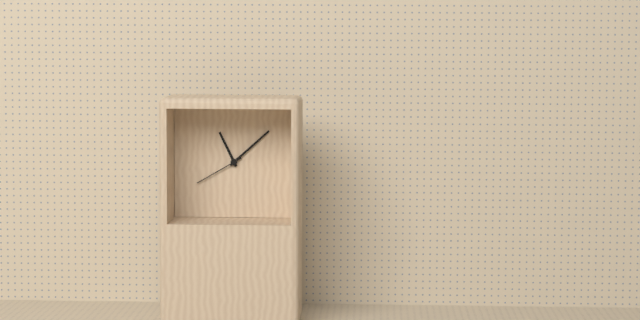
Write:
11,08,40
